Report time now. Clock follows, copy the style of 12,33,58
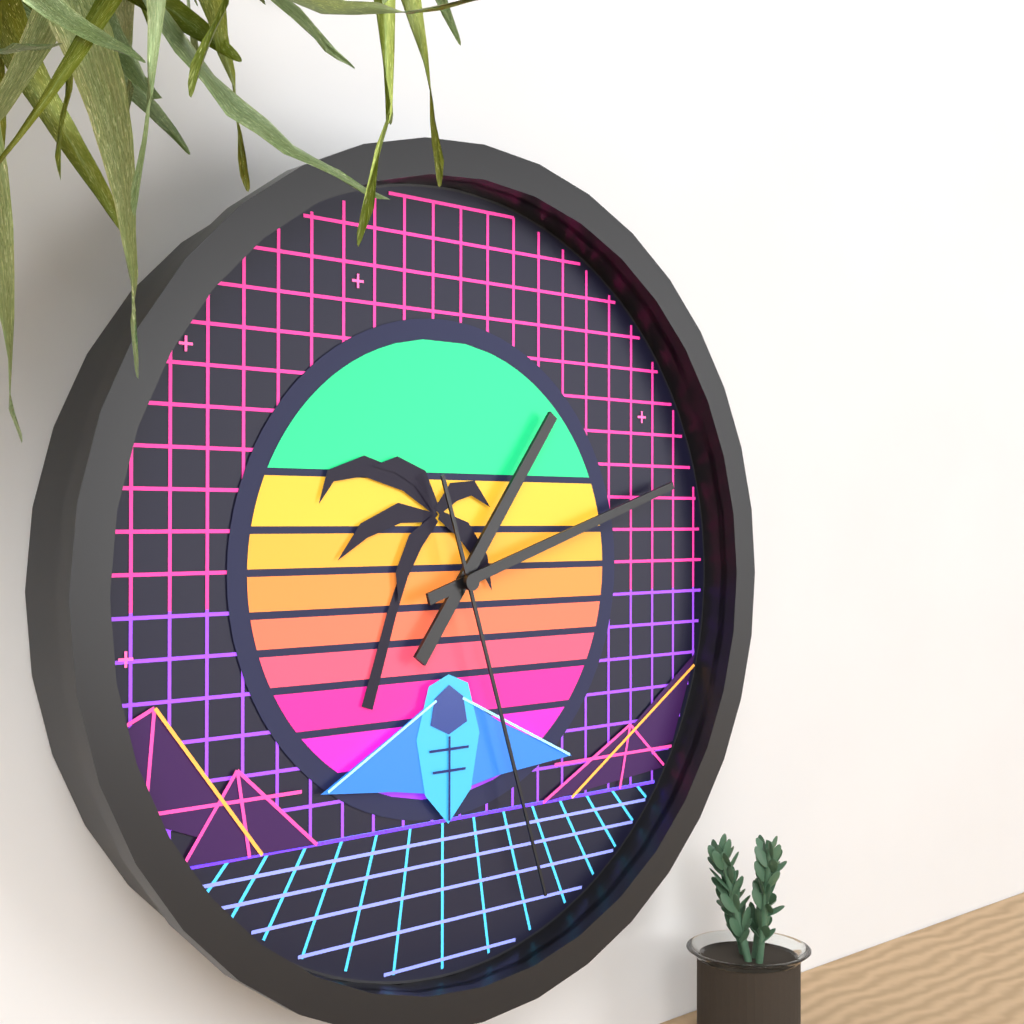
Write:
1,12,27
